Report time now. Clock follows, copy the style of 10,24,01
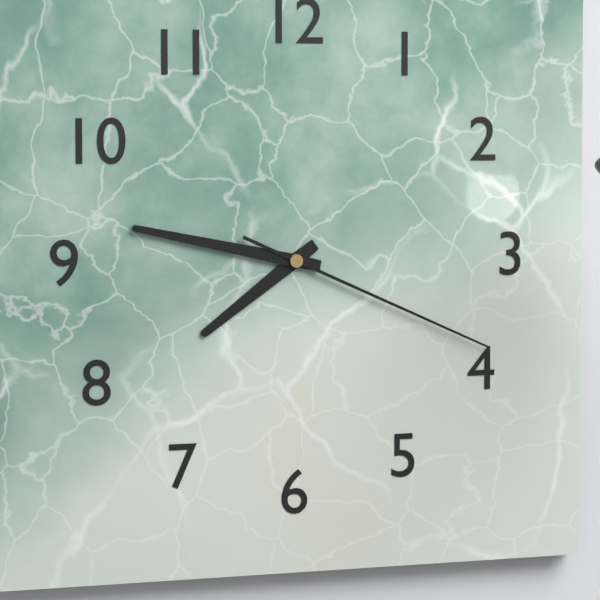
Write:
7,47,19
